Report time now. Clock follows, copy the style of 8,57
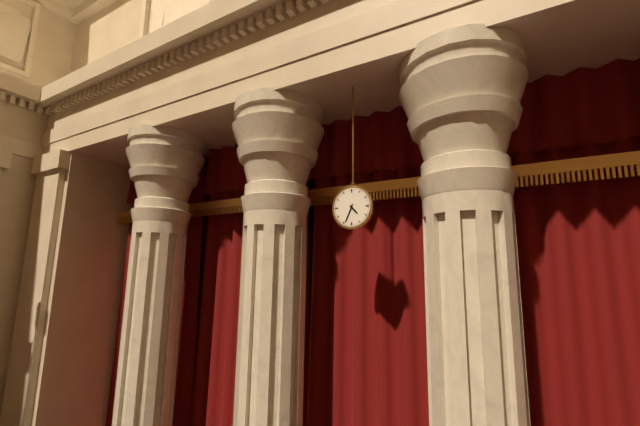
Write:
4,34
